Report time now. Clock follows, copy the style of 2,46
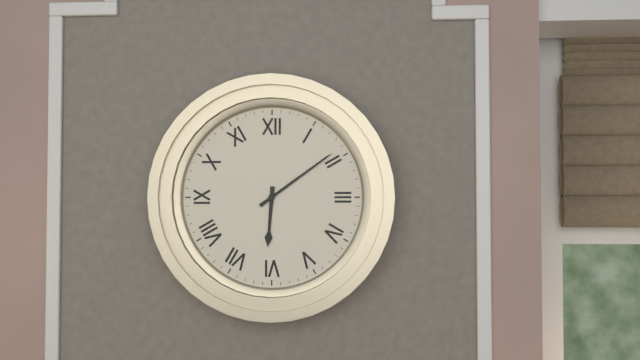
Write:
6,09
